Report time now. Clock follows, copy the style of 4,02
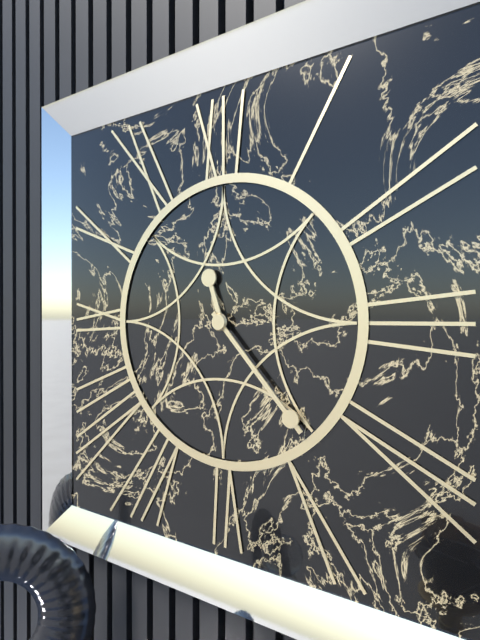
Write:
11,23
